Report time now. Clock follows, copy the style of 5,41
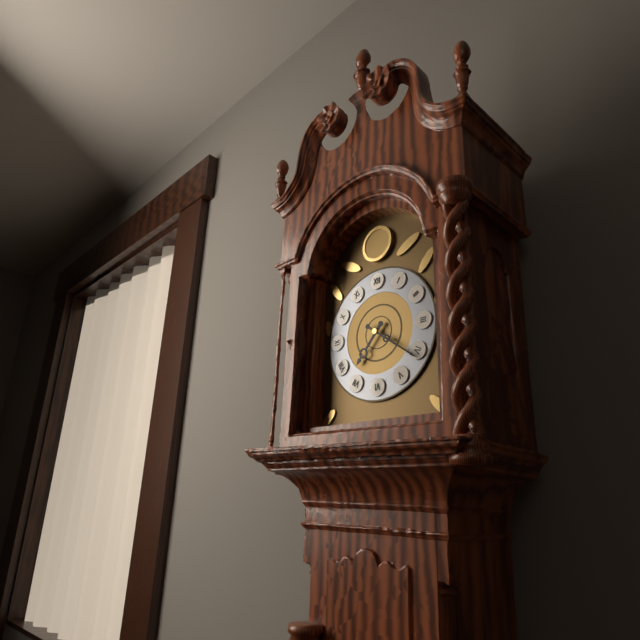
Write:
7,21
